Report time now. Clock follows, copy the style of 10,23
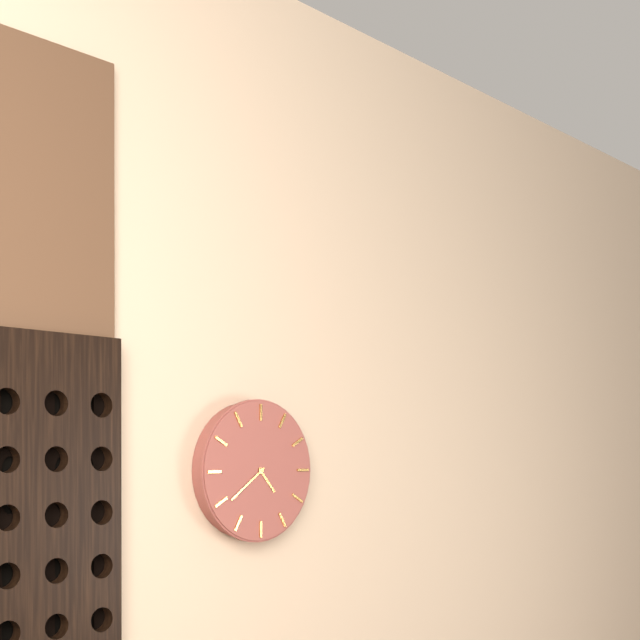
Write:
4,39
